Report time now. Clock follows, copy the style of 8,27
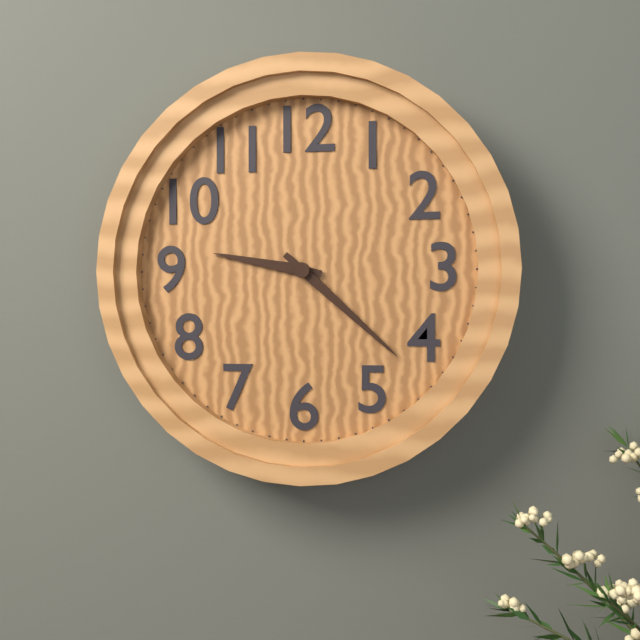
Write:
9,22
